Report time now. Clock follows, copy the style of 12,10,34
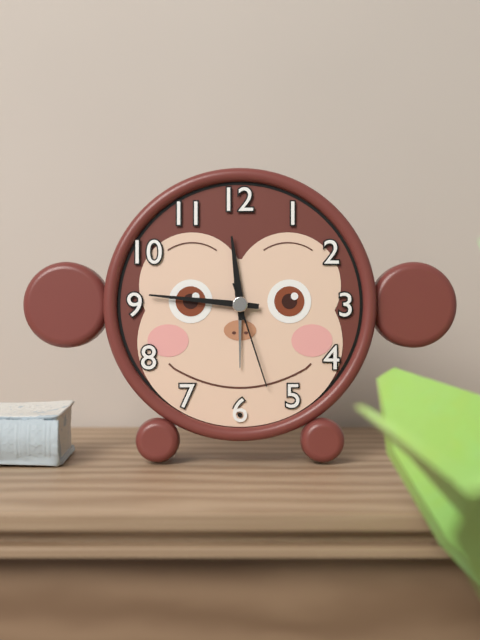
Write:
11,46,27
